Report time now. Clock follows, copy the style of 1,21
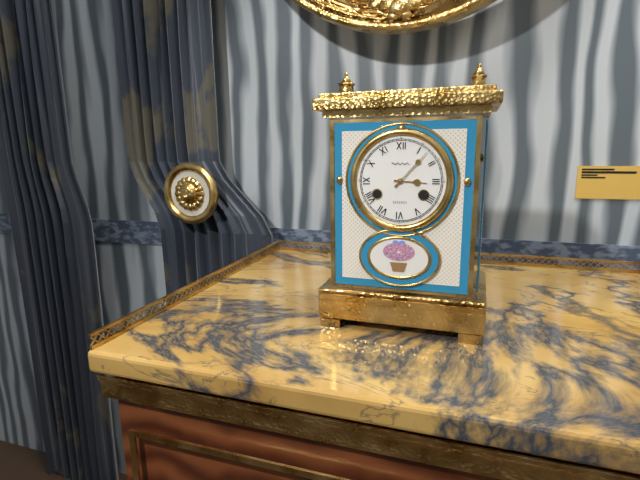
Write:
3,07
